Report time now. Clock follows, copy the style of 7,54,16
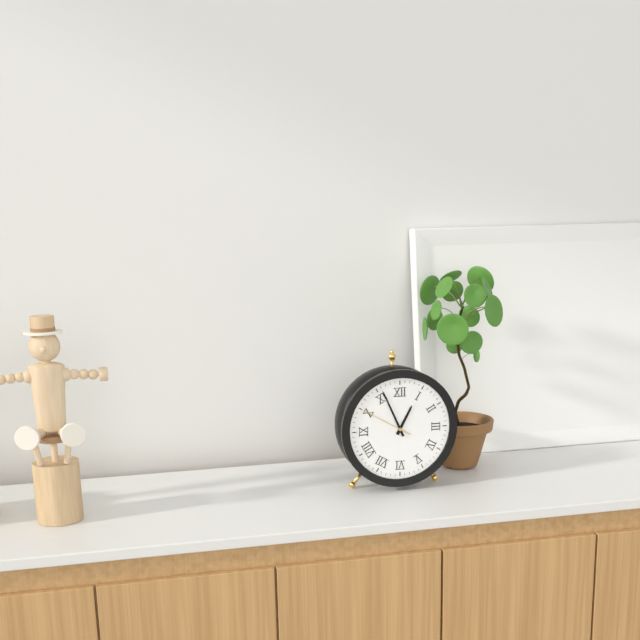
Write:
12,56,50
